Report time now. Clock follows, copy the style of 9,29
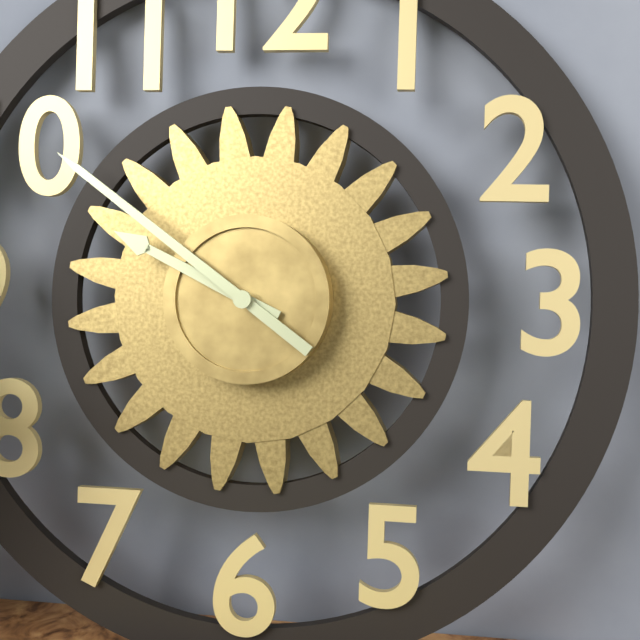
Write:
9,51
